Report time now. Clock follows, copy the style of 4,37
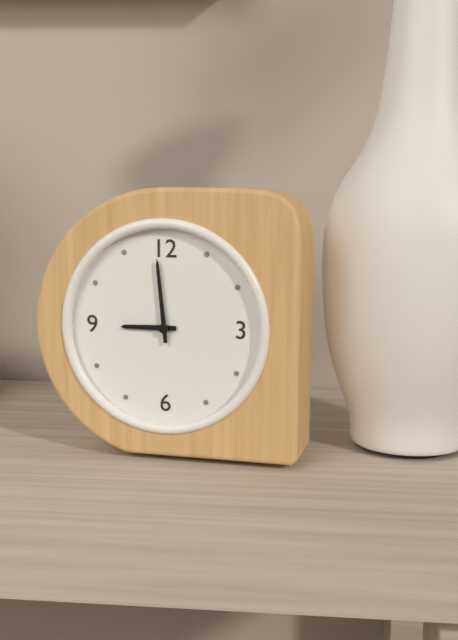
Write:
8,59
